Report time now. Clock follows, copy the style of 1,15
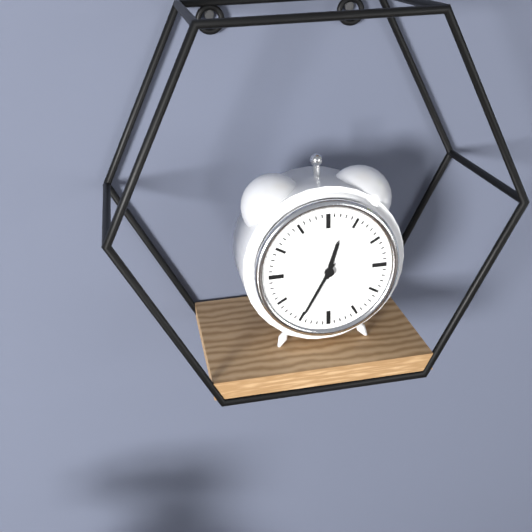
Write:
12,35
